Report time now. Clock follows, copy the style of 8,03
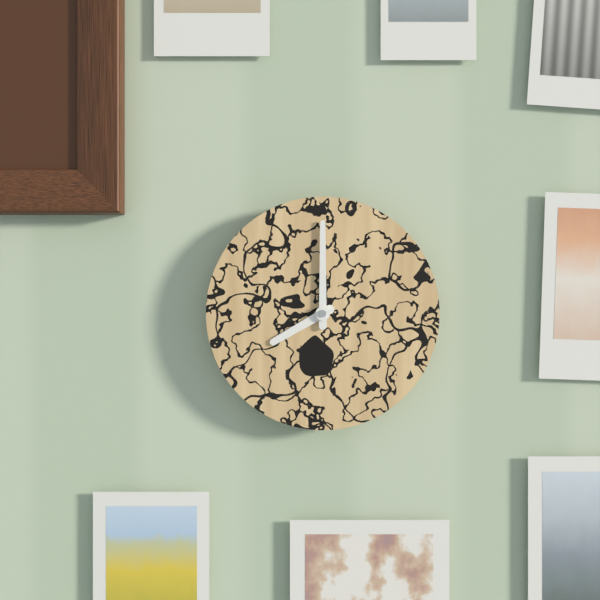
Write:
8,00
